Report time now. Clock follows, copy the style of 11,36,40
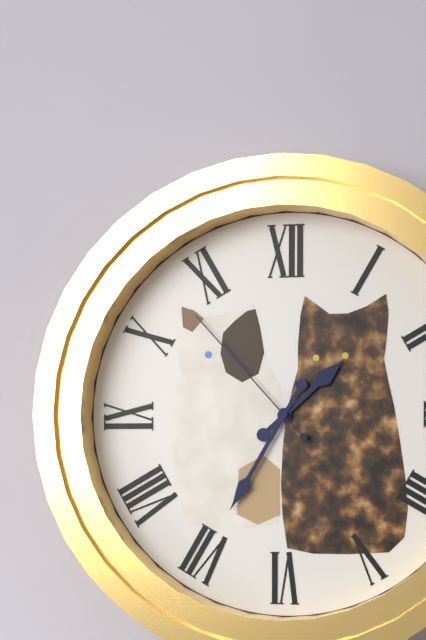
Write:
1,35,53
